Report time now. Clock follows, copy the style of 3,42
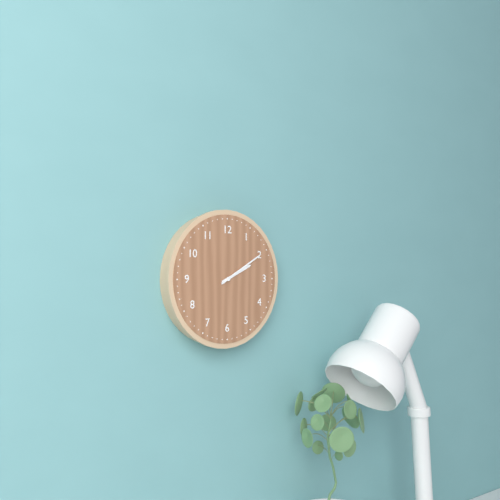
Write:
2,10
